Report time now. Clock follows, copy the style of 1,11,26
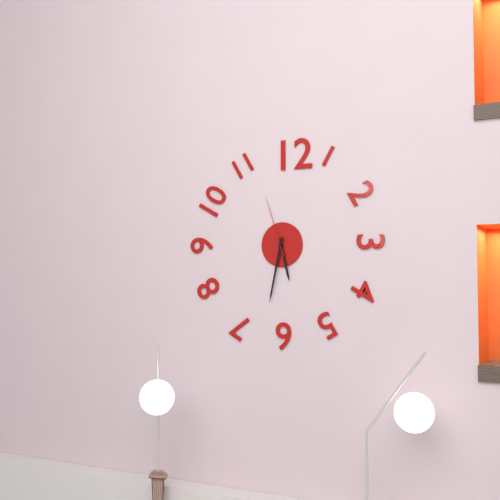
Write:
5,32,57
